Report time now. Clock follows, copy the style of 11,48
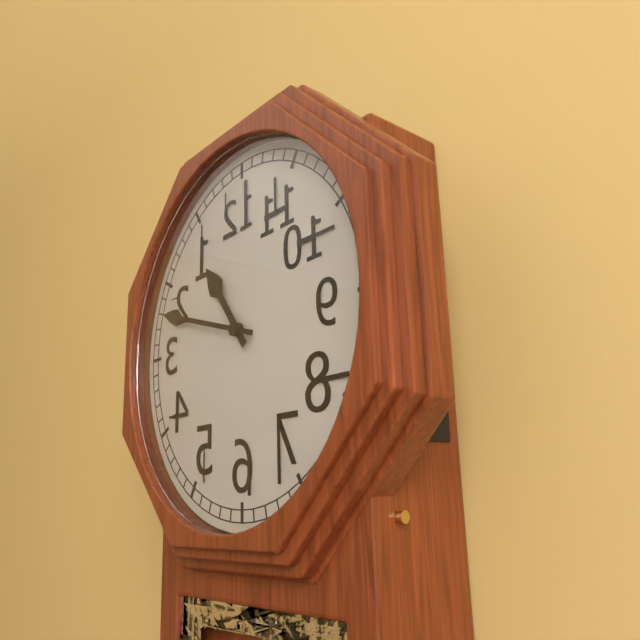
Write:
10,48
